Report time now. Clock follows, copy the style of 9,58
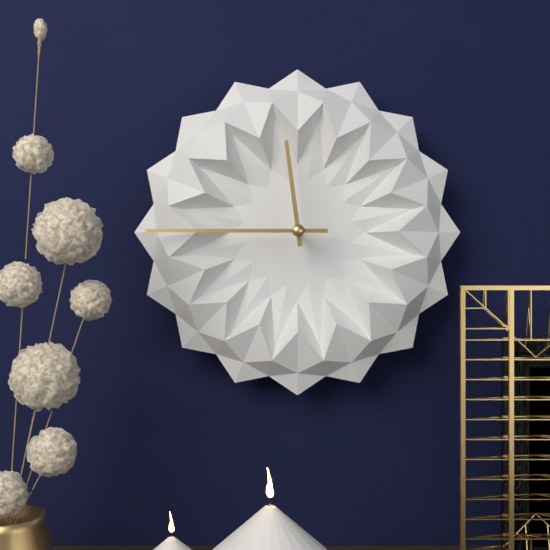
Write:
11,45
